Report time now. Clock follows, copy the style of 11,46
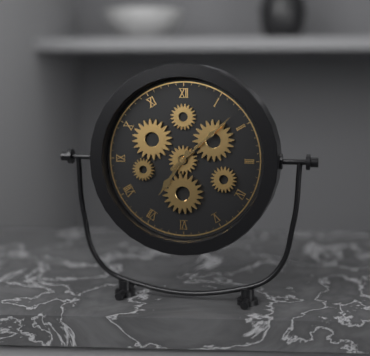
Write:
7,08
